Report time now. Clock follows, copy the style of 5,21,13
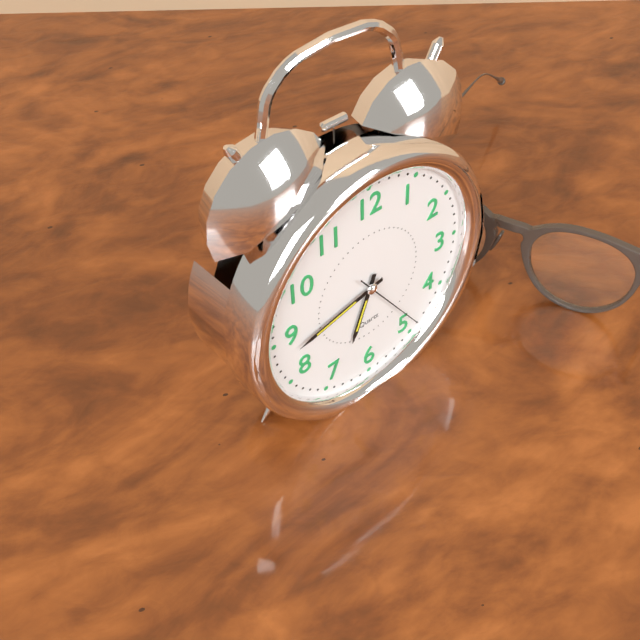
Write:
6,43,24
